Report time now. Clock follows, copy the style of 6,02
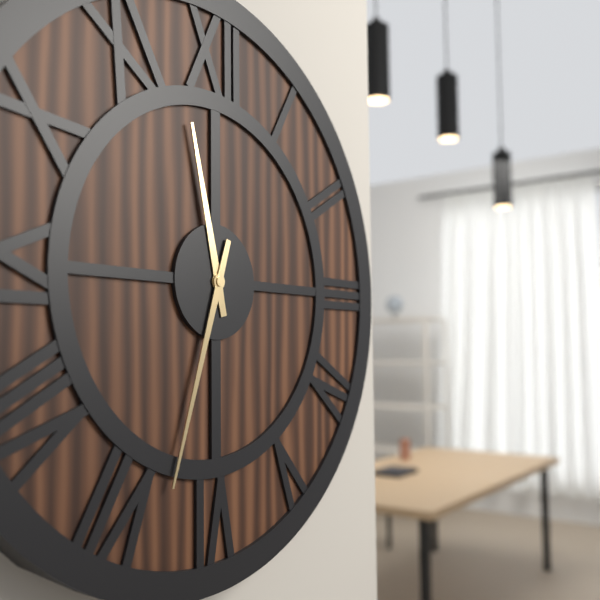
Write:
11,33
